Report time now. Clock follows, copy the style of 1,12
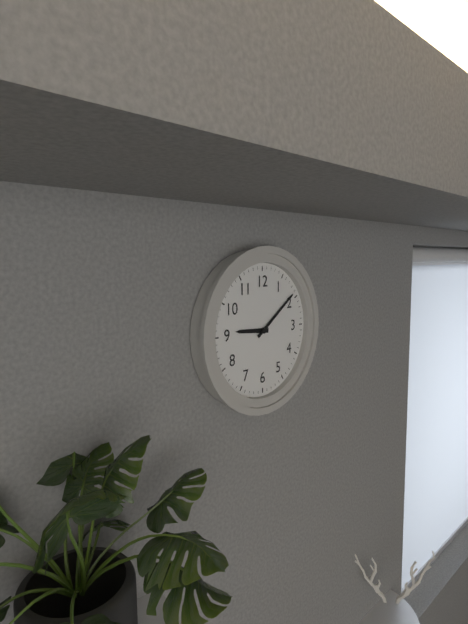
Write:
9,09
